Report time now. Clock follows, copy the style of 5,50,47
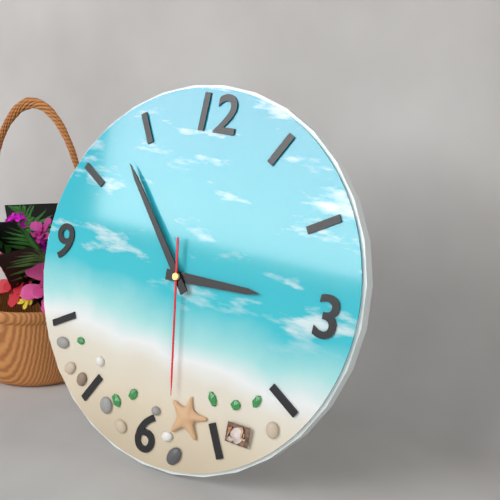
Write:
2,53,28
